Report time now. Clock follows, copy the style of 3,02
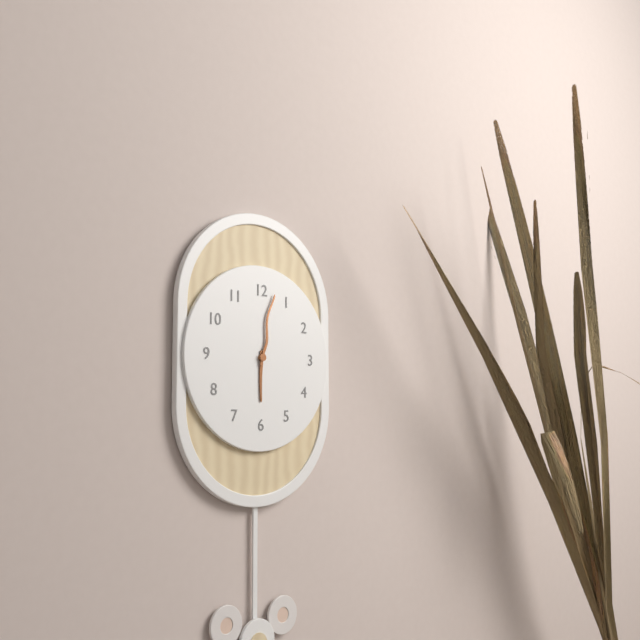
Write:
6,02
